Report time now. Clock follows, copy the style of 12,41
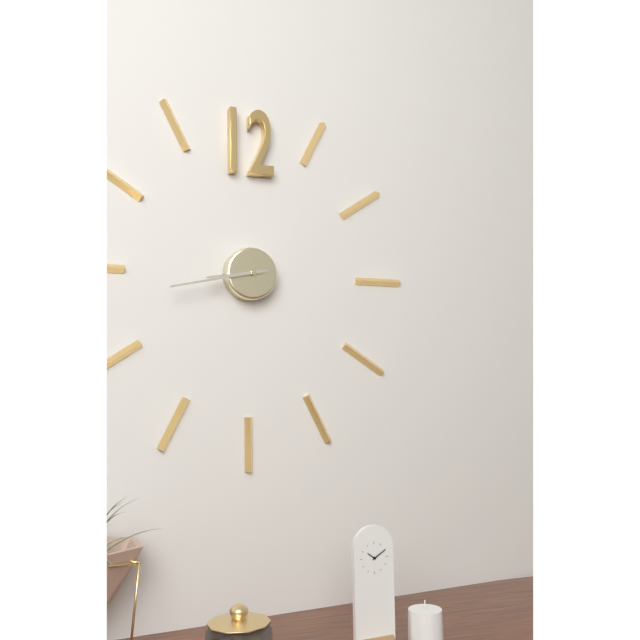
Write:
8,43
